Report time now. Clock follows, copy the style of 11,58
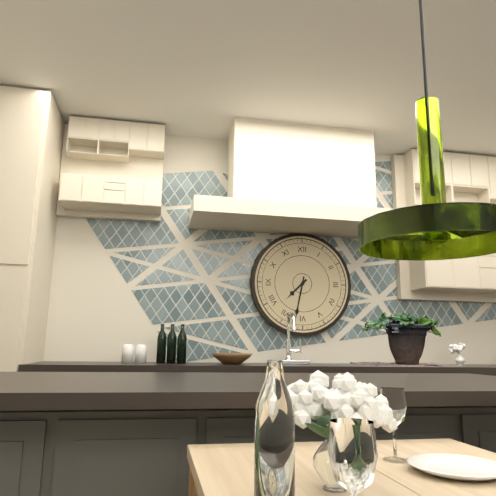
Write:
7,32
